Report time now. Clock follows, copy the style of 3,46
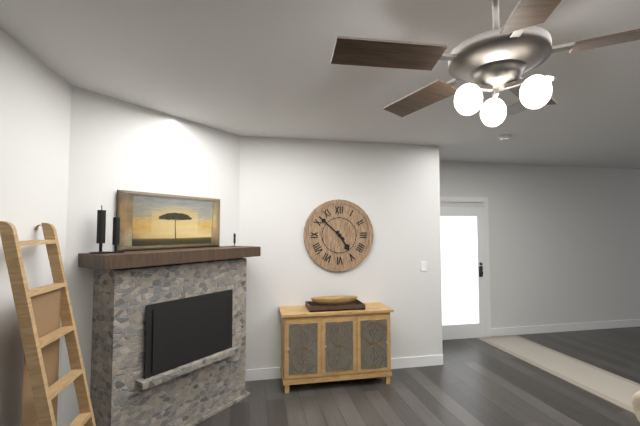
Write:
4,52
